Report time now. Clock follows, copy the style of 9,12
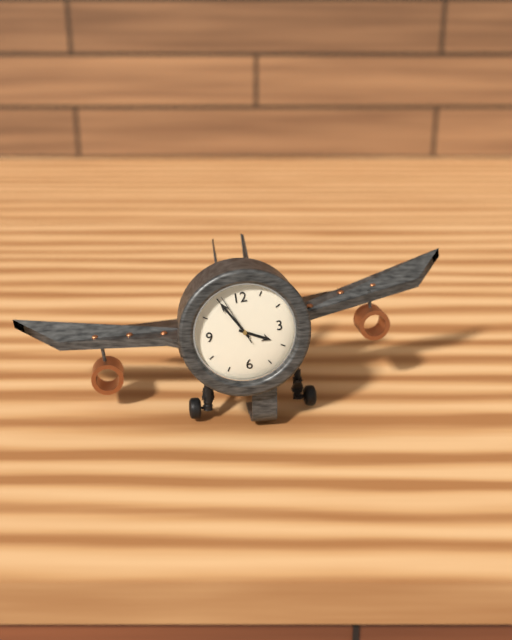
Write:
3,55
